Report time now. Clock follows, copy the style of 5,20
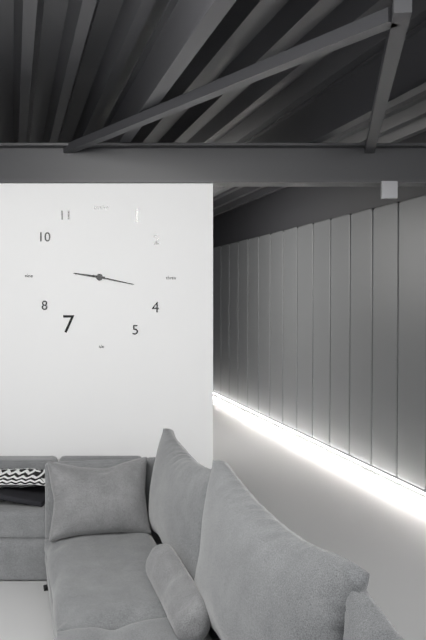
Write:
9,17
